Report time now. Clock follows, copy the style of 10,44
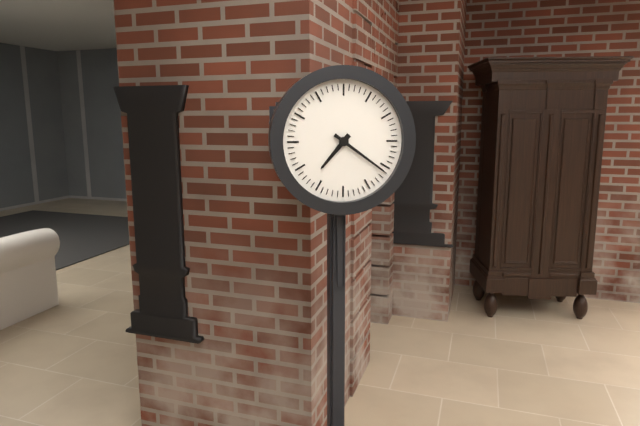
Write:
7,21
